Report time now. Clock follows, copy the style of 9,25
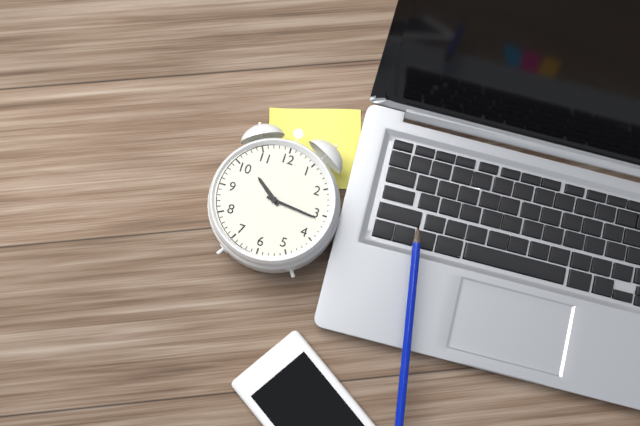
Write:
10,16
